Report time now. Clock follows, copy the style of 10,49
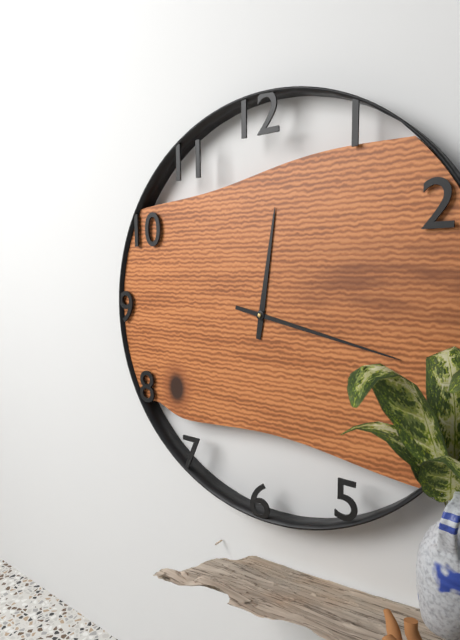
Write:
12,17
